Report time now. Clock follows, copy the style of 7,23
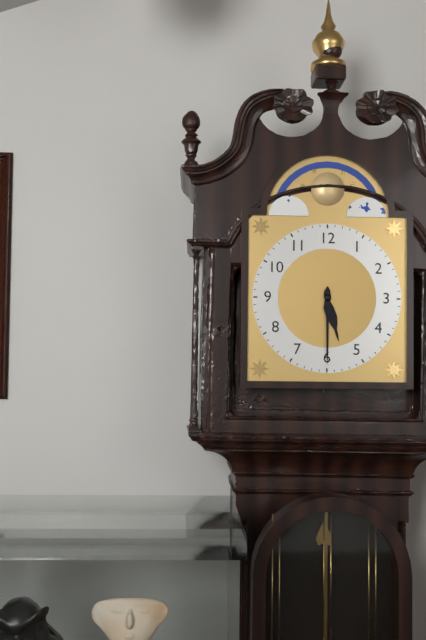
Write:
5,30
